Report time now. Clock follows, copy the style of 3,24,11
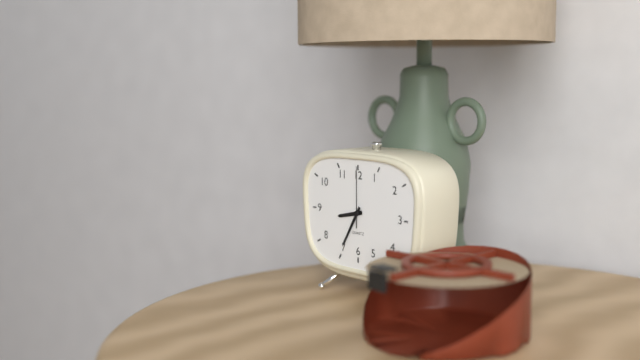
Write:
8,35,00
